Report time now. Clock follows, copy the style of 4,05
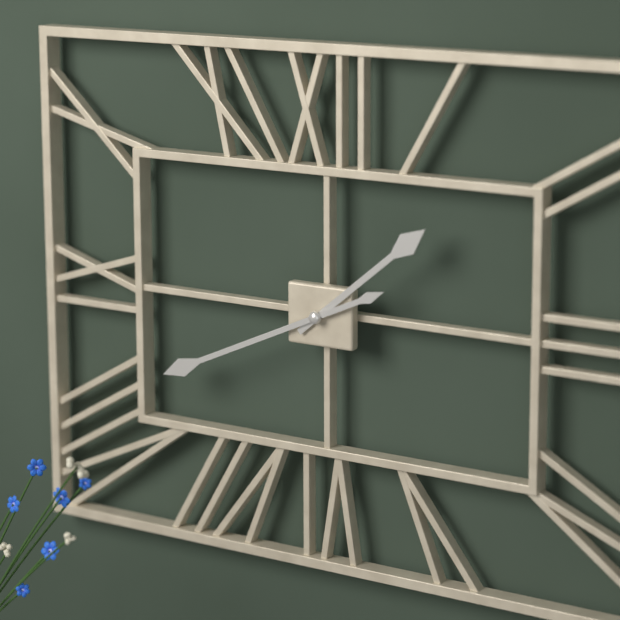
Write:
1,41
